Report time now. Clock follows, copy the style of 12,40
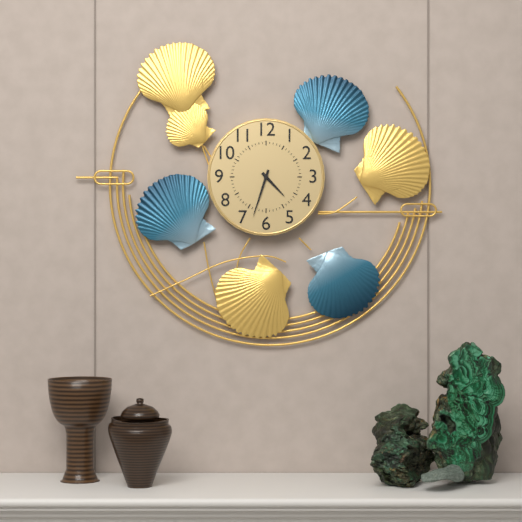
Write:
4,33
